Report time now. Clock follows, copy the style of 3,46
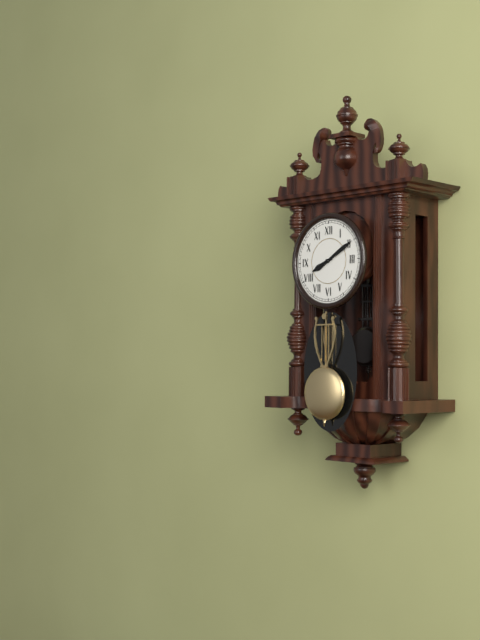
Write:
8,10
